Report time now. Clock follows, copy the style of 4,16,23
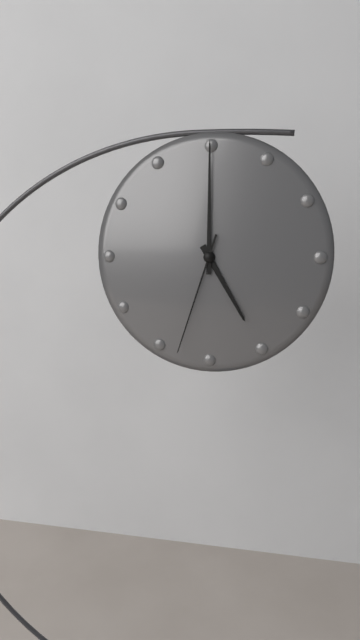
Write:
5,00,33
